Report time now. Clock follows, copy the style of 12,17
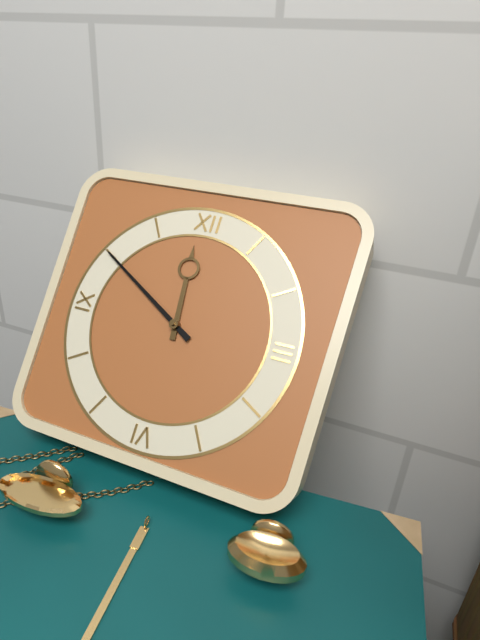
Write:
11,50
